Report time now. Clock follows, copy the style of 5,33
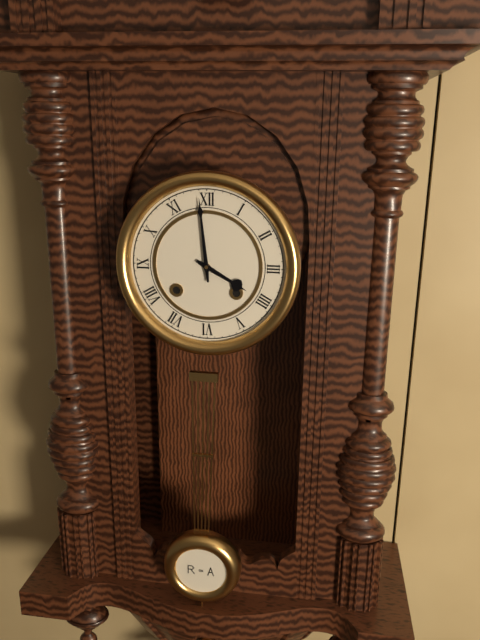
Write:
3,59
